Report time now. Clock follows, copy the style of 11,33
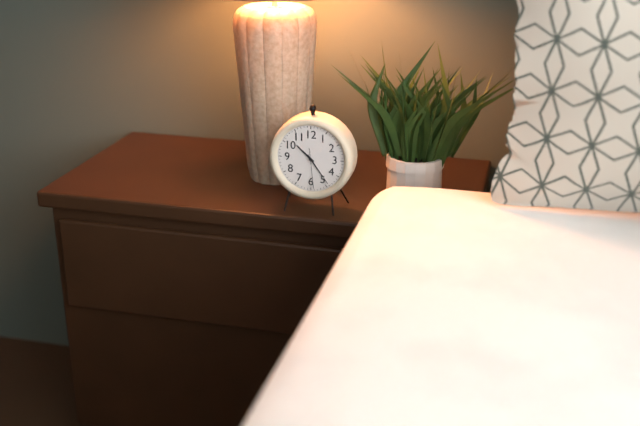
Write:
10,24
